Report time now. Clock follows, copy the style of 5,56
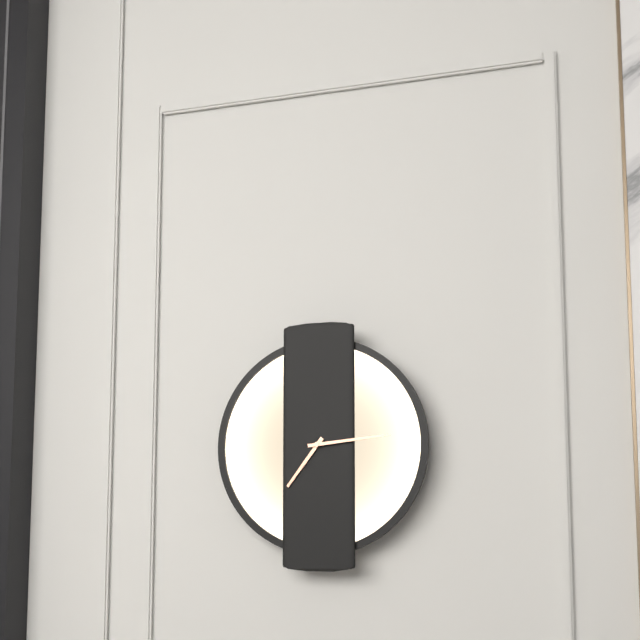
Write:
7,14
